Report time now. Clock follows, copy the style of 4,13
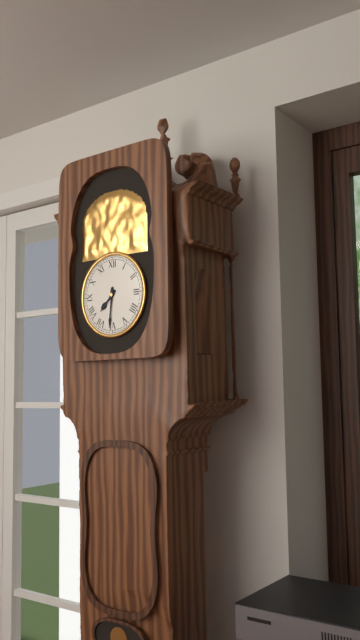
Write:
7,31
